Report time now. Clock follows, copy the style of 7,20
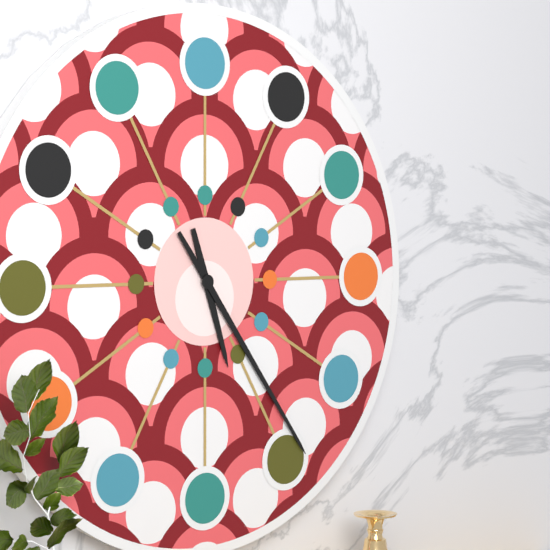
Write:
5,24
